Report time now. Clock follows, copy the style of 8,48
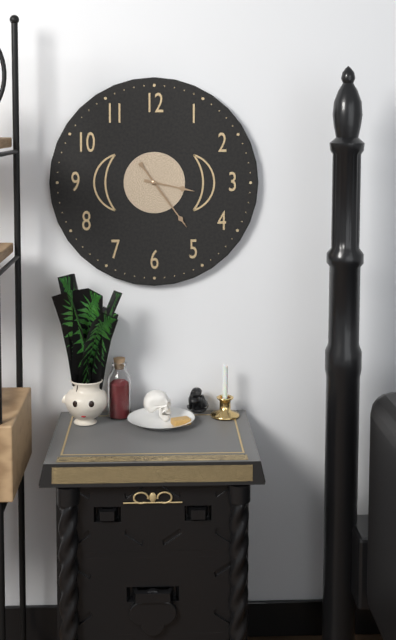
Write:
3,24
